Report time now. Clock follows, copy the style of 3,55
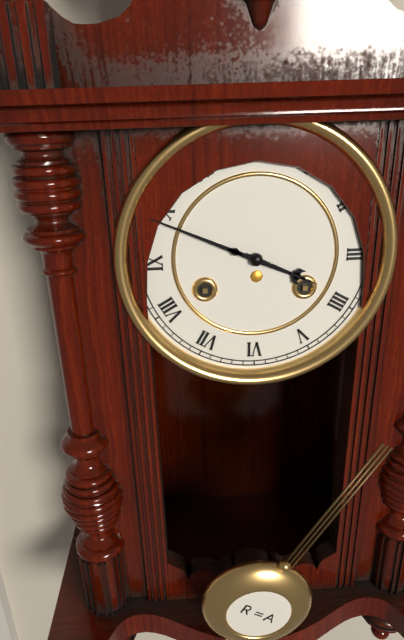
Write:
3,49
